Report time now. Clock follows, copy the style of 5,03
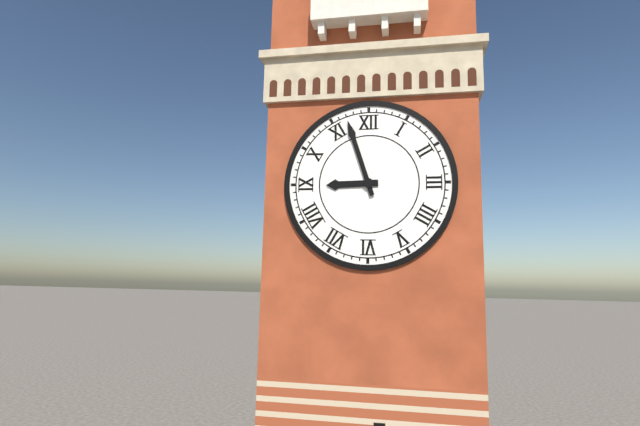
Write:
8,57
